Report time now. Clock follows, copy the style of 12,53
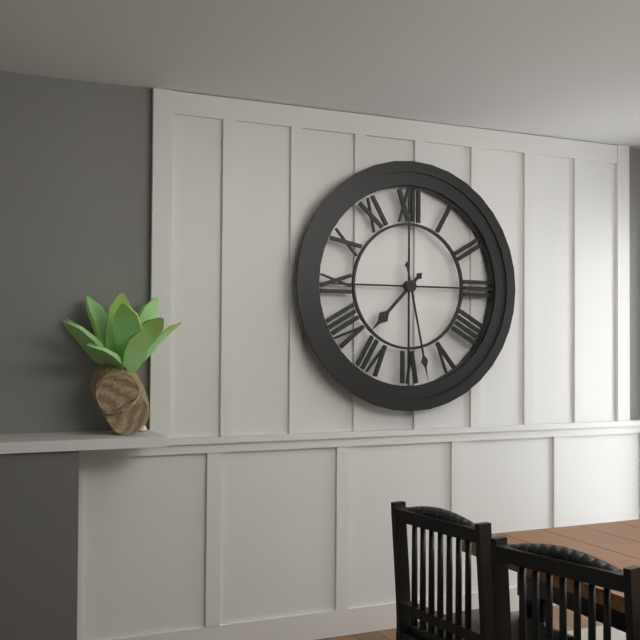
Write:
7,28
